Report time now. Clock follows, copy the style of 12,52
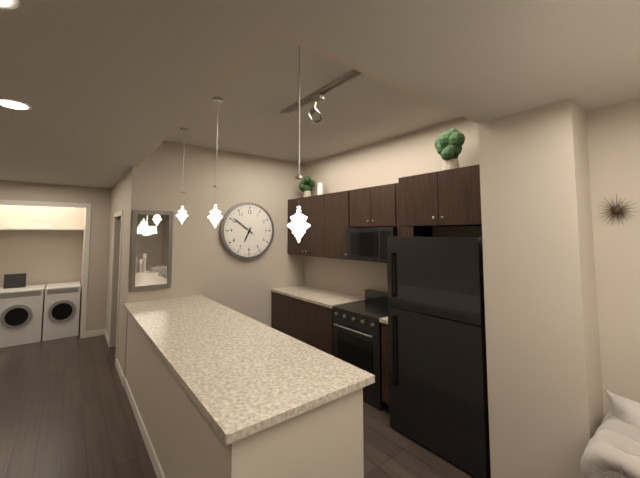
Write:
6,51
